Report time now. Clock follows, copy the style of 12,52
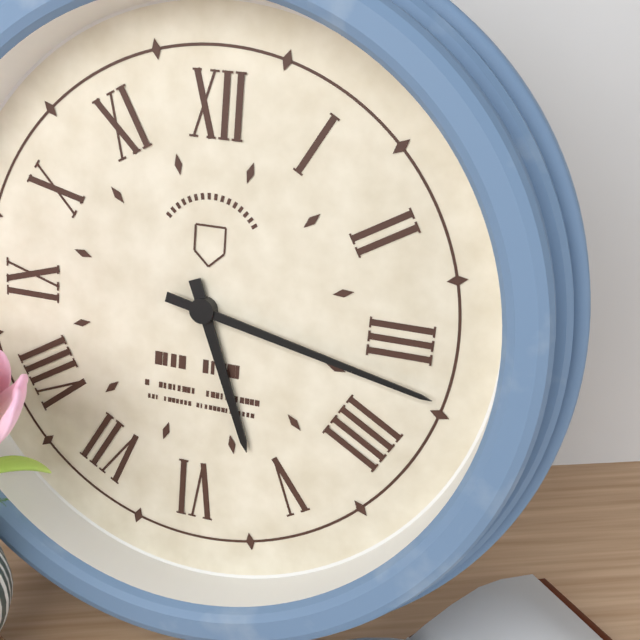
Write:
5,17
